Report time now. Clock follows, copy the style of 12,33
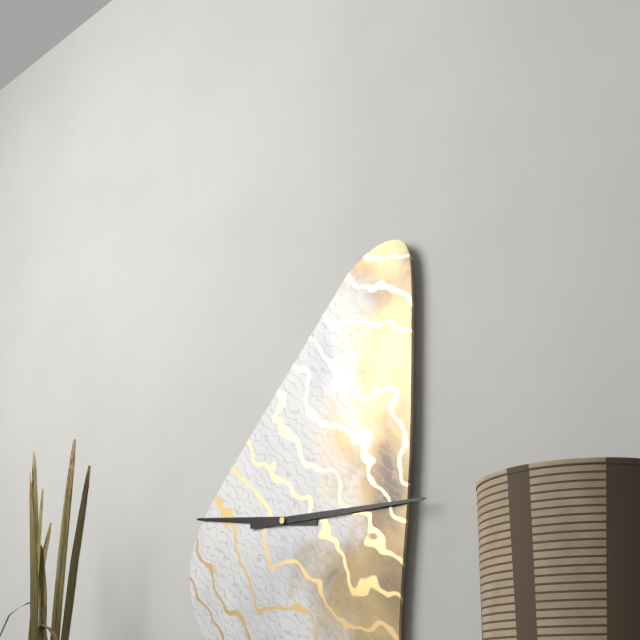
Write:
9,15
